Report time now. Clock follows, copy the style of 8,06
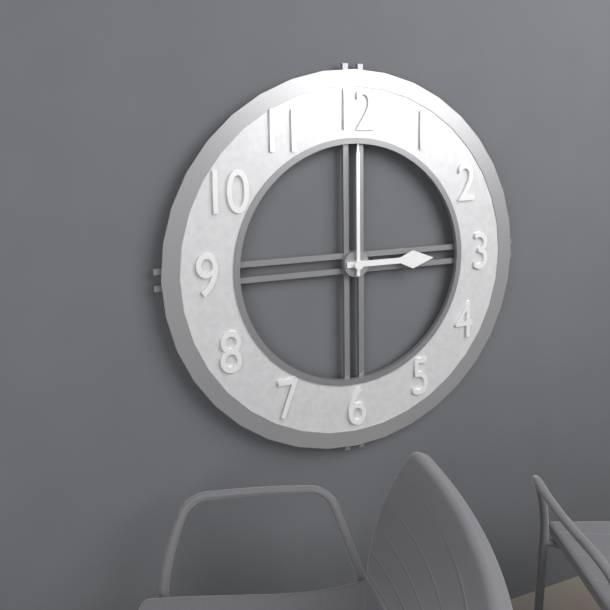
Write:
3,00
